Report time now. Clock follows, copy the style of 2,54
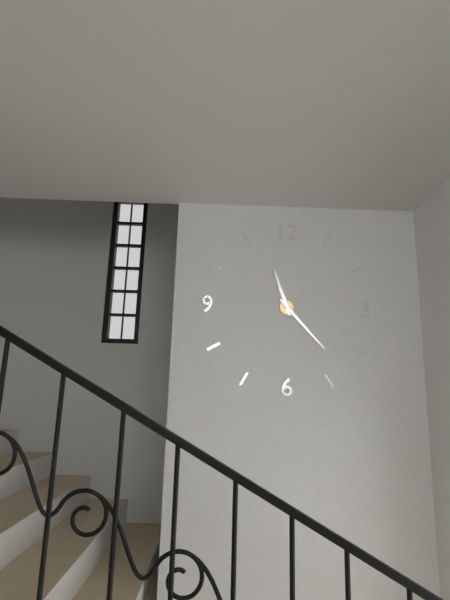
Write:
11,23
